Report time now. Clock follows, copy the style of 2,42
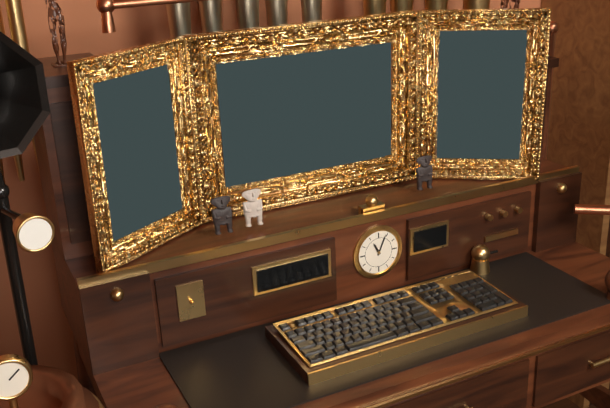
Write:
11,04
